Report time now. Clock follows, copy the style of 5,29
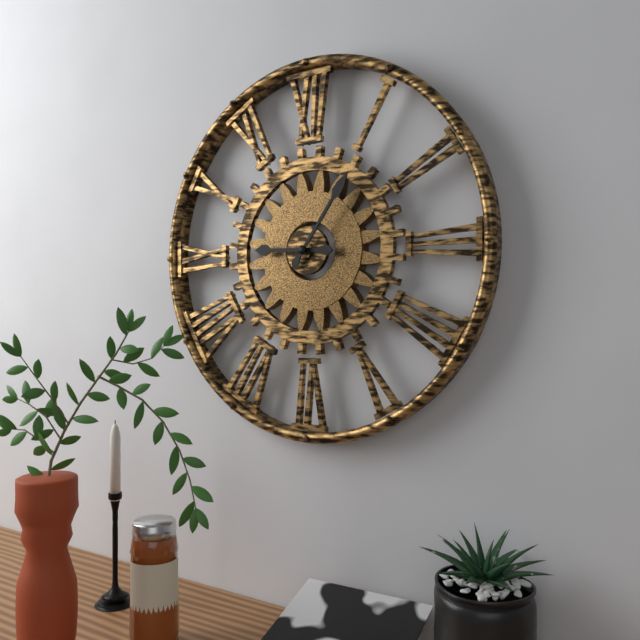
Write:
9,06
